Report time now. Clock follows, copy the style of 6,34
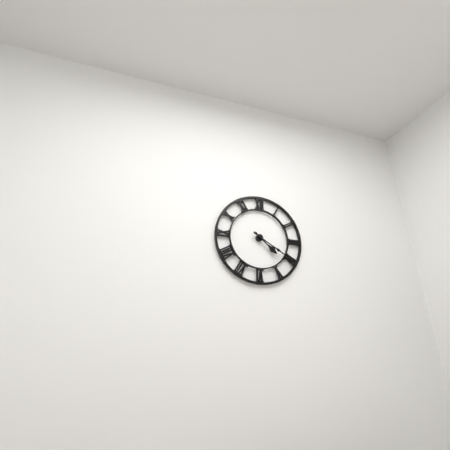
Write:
4,20
